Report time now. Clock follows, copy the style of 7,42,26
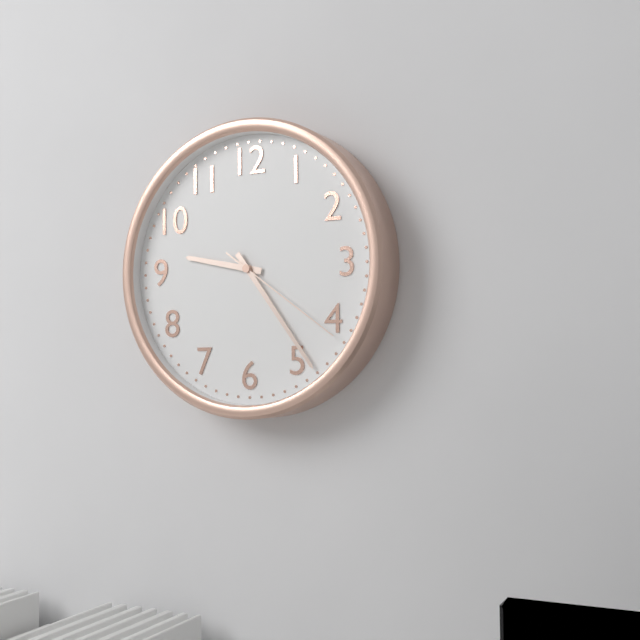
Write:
9,24,21
